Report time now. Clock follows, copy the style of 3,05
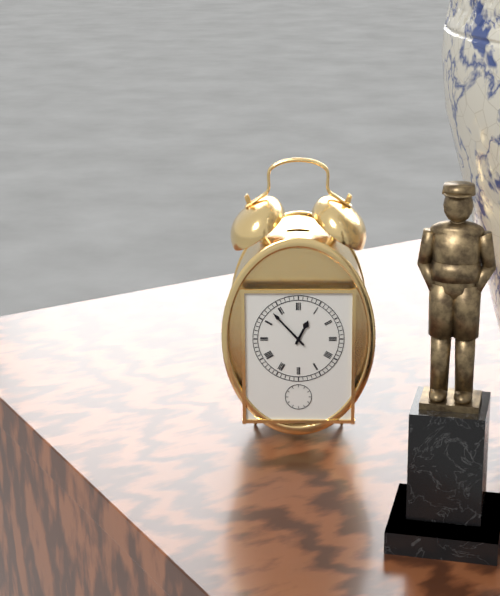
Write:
12,53
